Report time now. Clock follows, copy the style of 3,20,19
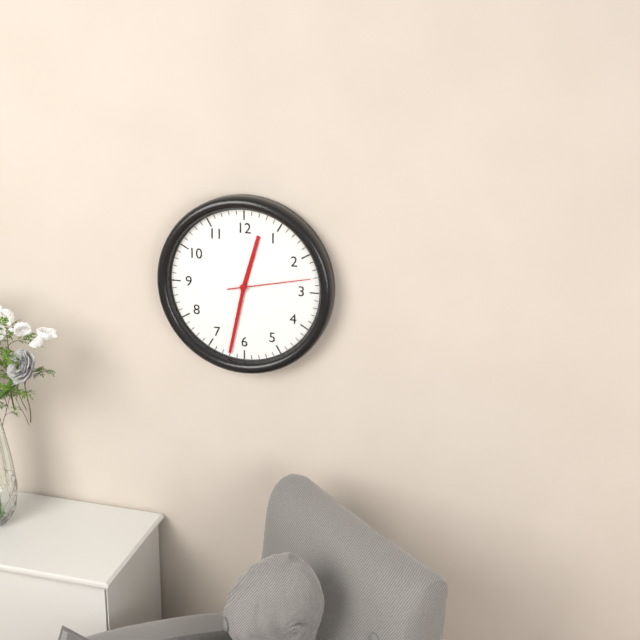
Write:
12,32,13
